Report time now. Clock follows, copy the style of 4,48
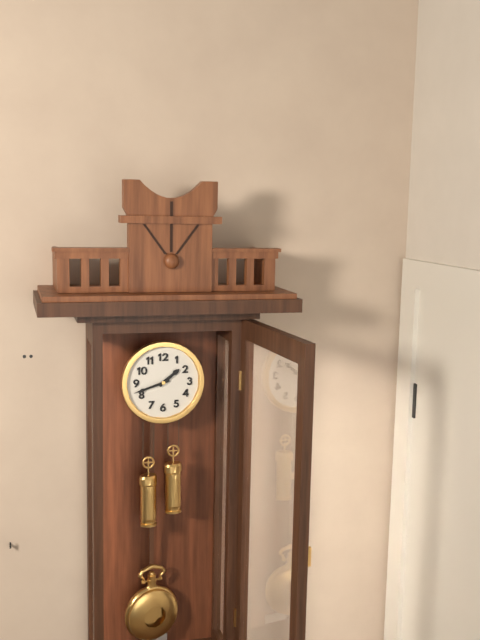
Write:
1,42
